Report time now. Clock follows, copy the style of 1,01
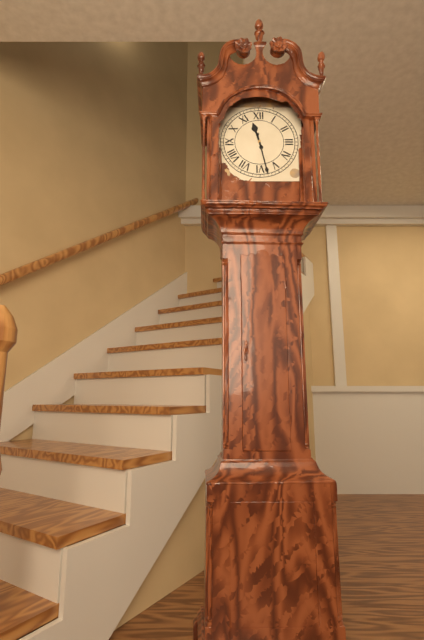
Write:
11,28
